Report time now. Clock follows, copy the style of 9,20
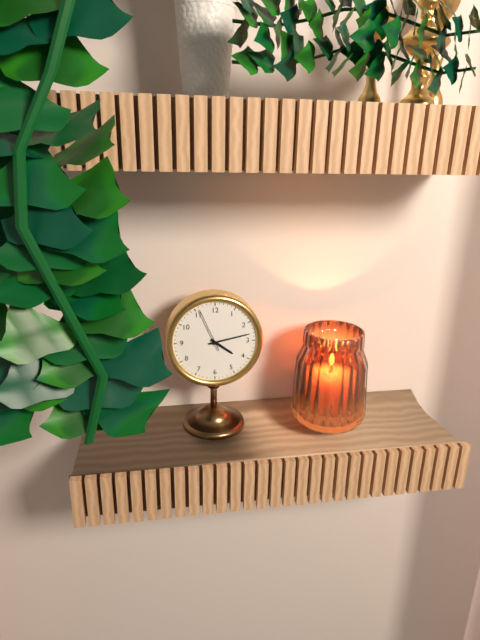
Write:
4,13
